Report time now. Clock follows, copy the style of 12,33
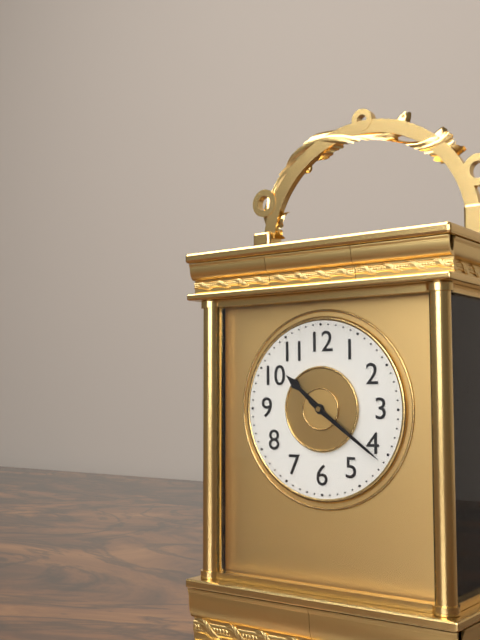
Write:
10,21
